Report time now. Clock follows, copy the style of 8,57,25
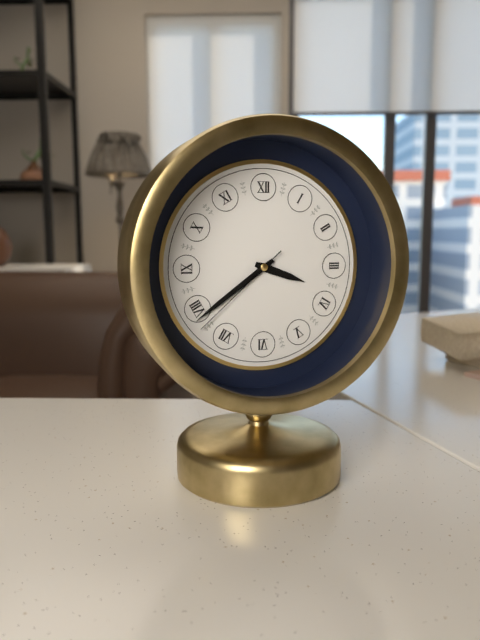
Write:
3,39,38
